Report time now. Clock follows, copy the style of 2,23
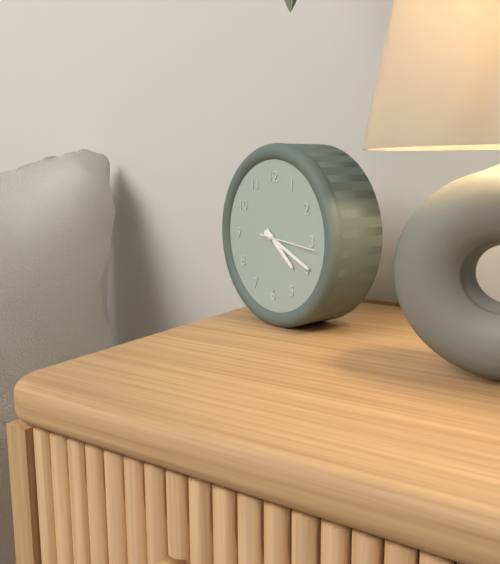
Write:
4,19
